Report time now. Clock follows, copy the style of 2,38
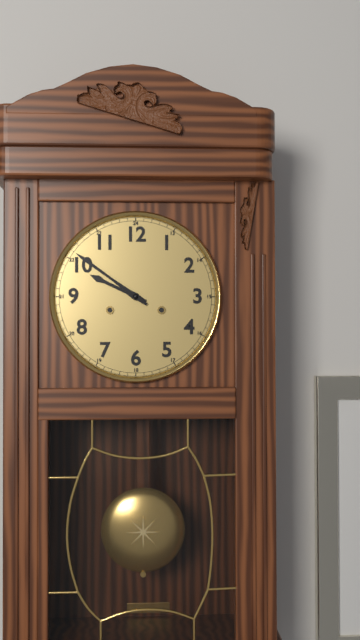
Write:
9,51
